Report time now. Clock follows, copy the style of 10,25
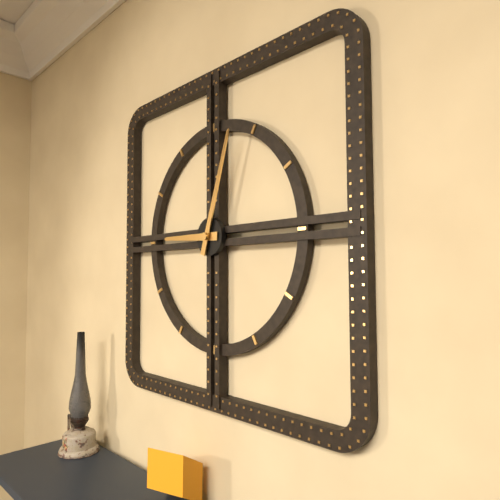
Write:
9,03
